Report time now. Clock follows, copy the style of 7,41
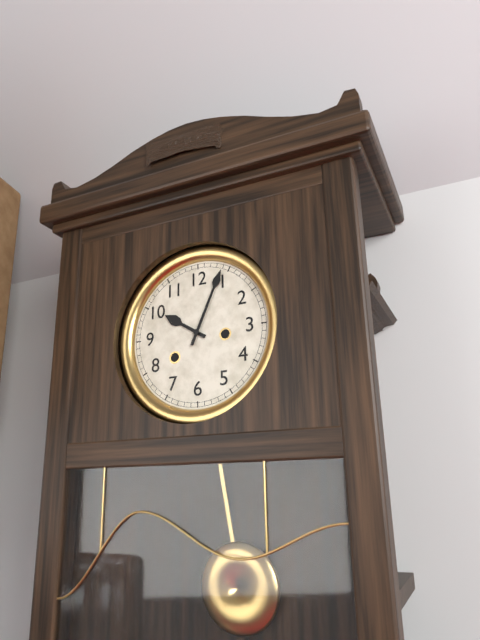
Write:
10,04
